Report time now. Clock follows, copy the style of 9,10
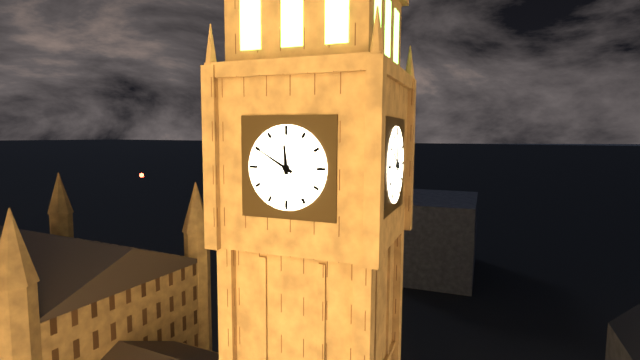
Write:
11,50
